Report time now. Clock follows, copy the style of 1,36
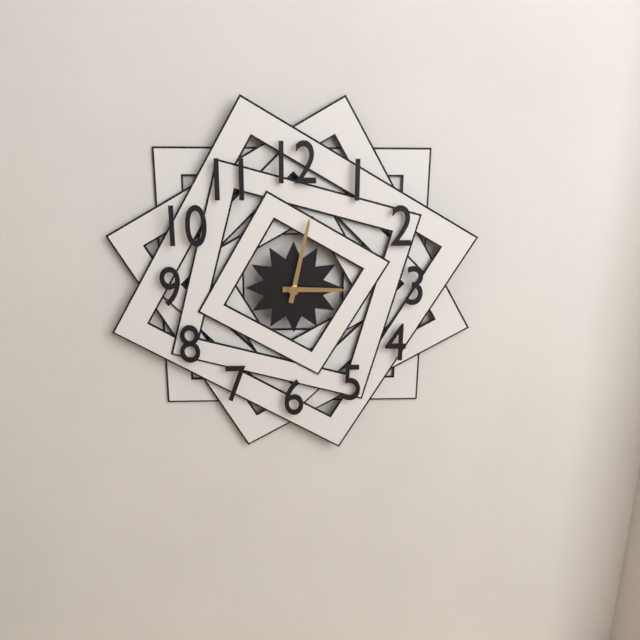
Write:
3,02
